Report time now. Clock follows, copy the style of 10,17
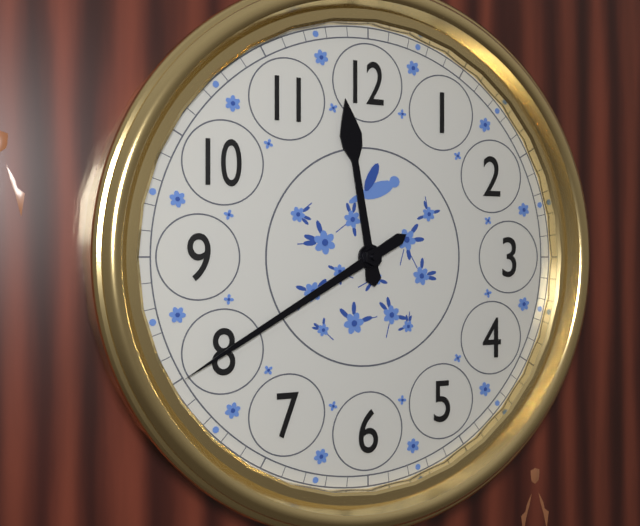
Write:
11,40
